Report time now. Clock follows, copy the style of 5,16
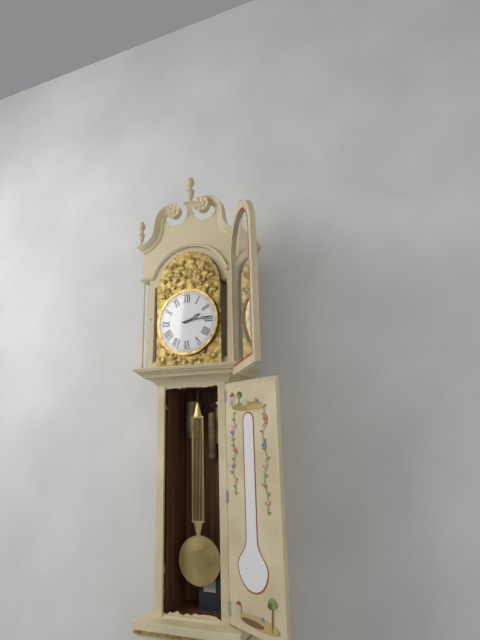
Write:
2,14
